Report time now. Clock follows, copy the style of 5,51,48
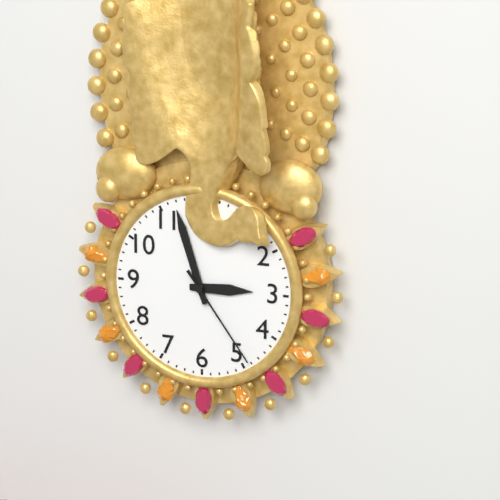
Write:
2,57,24
